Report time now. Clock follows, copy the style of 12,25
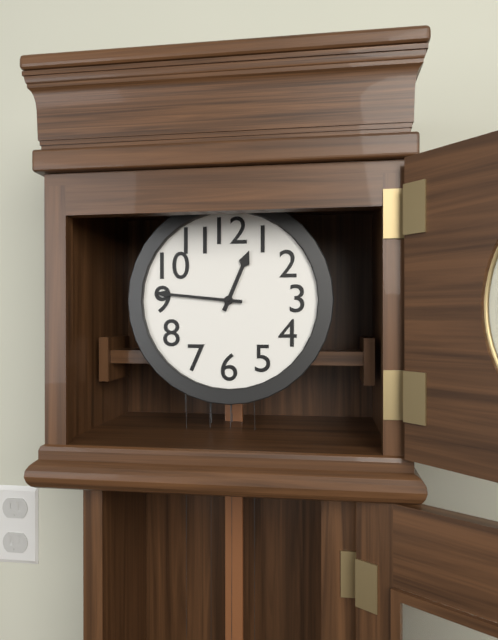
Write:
12,46
